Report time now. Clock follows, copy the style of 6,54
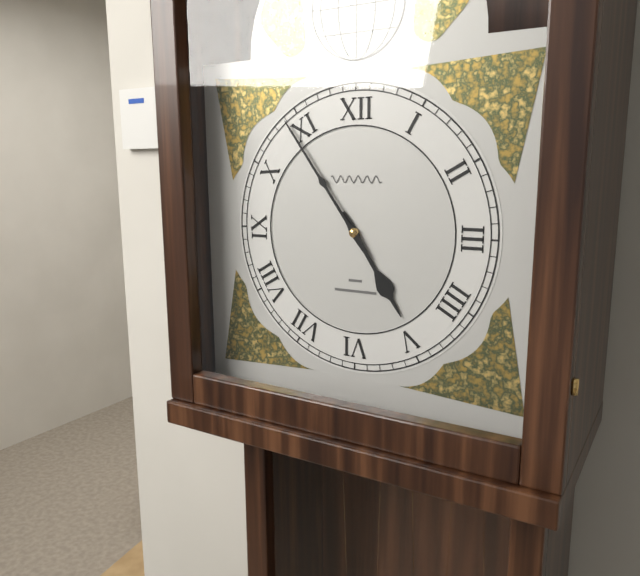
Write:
4,54
